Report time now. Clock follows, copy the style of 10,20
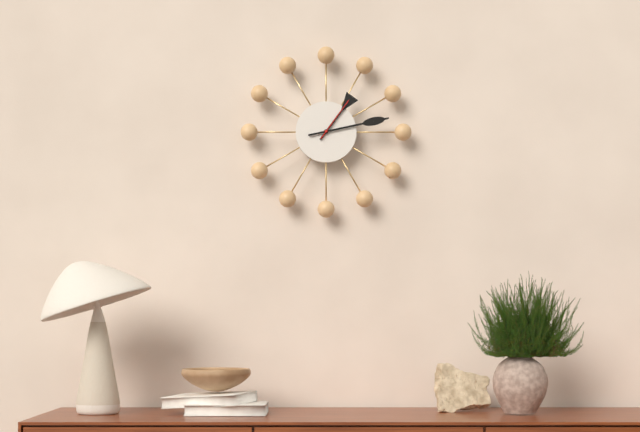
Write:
1,13
